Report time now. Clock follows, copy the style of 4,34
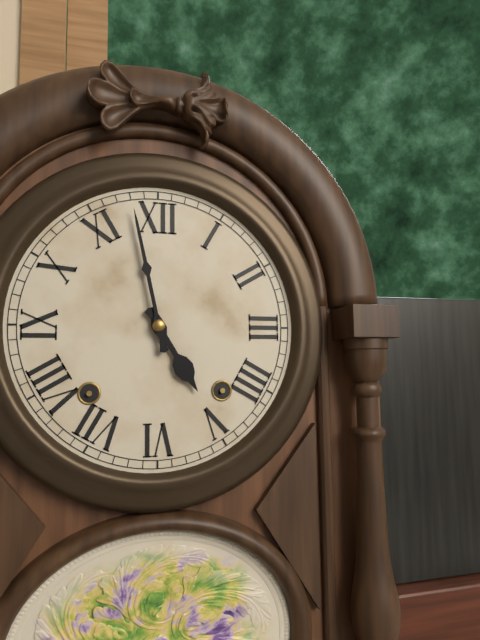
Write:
4,58
